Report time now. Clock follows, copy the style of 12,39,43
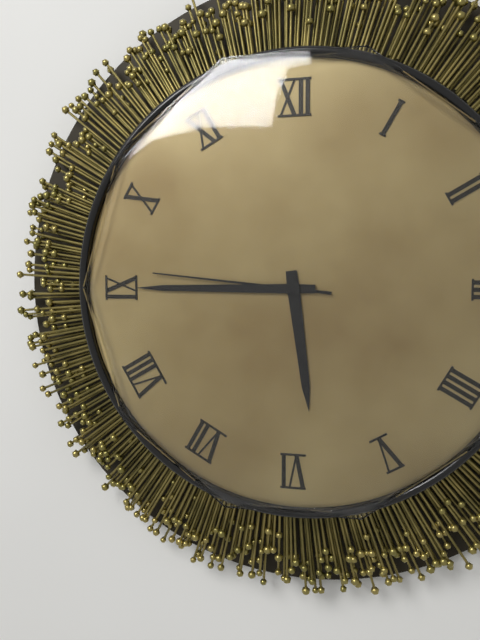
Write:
5,45,46
